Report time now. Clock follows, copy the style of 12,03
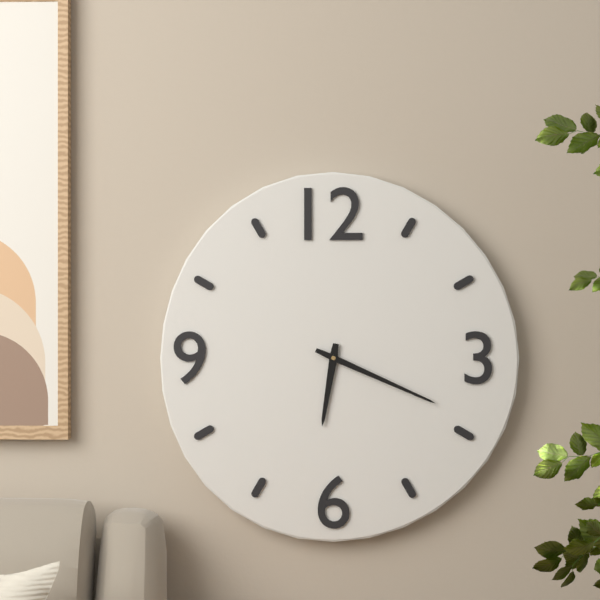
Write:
6,19
